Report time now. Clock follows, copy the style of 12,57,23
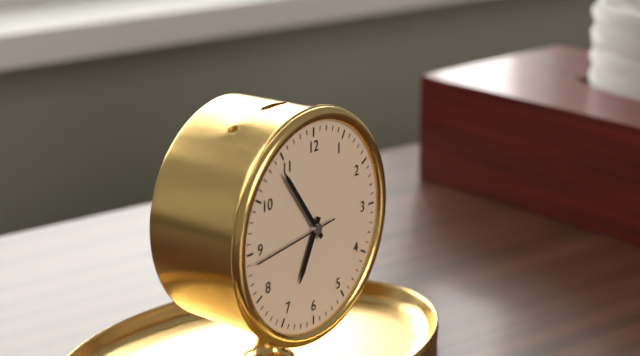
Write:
6,54,44
